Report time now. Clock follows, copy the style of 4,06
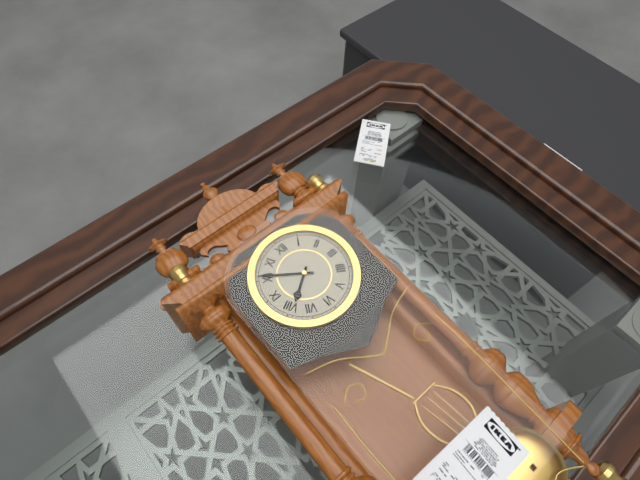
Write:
7,51
